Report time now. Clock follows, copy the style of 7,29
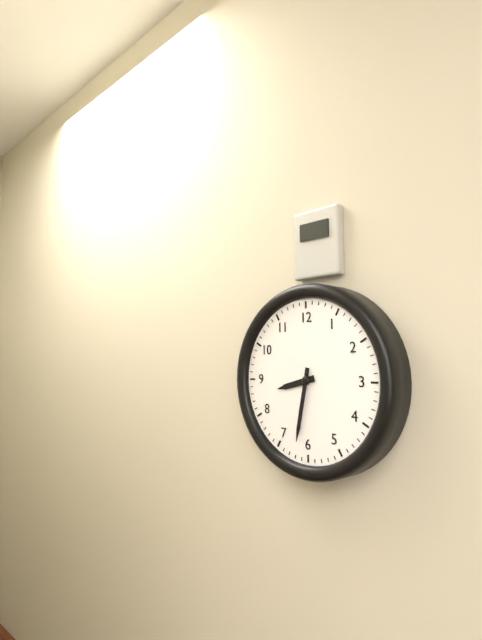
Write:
8,32
